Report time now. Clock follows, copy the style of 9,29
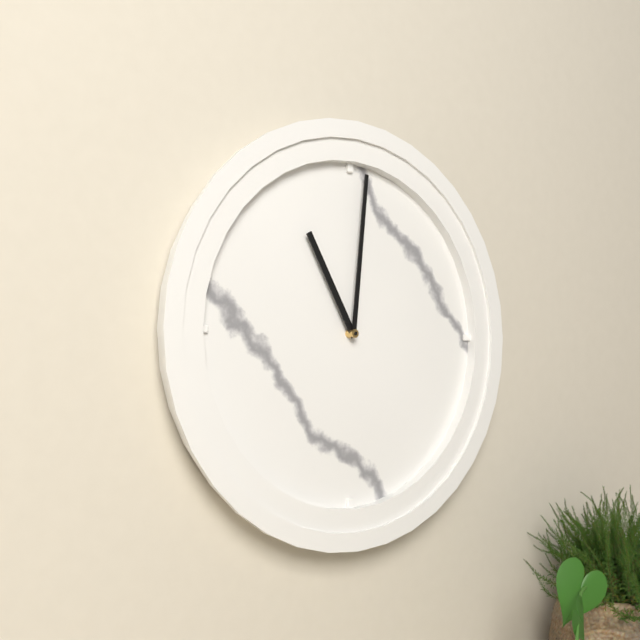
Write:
11,01
